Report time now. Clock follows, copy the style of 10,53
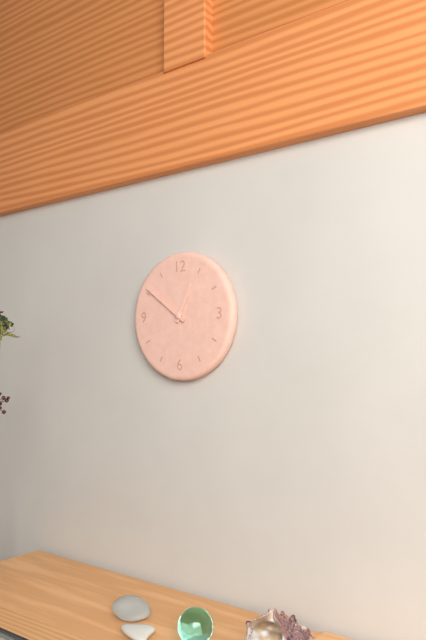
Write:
12,51
